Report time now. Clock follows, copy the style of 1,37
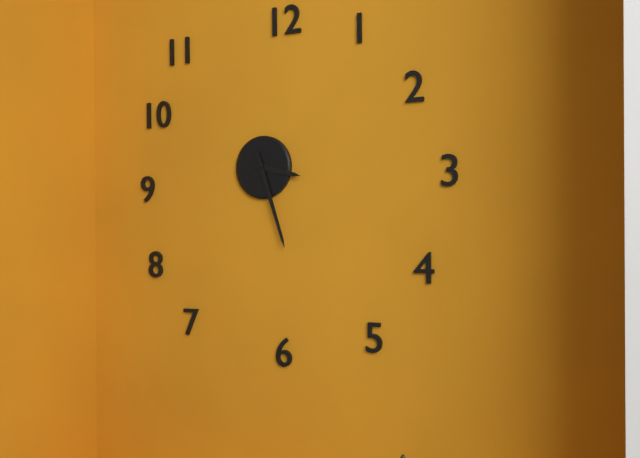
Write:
3,27
